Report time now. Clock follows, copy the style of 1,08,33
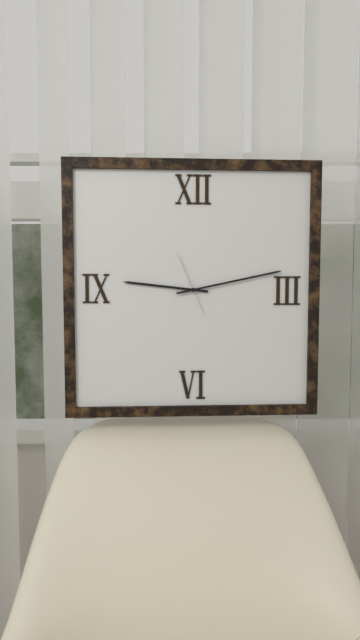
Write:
9,13,56
